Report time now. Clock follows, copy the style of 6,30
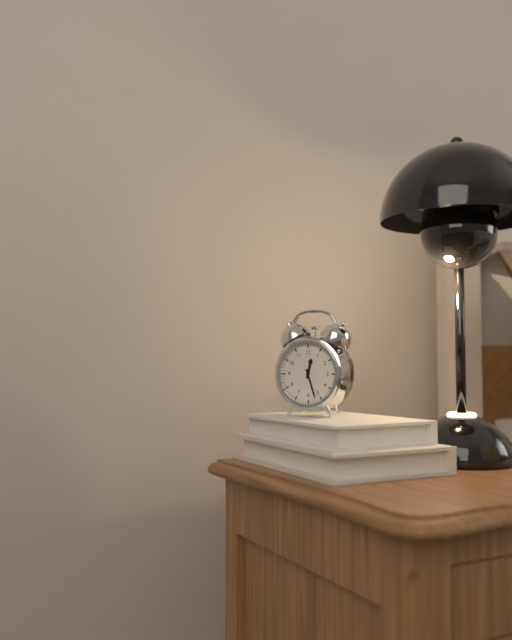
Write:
12,27
